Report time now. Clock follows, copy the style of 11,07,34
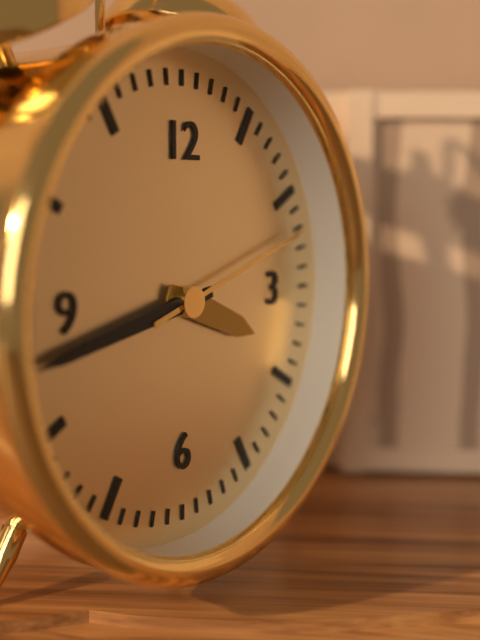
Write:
3,43,12
